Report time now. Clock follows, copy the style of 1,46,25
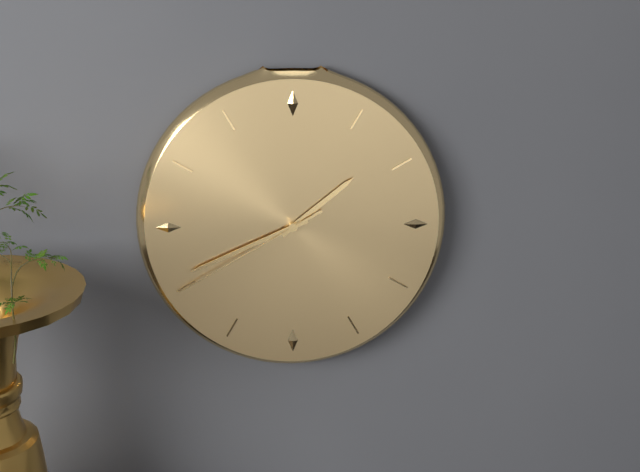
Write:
1,41,40
